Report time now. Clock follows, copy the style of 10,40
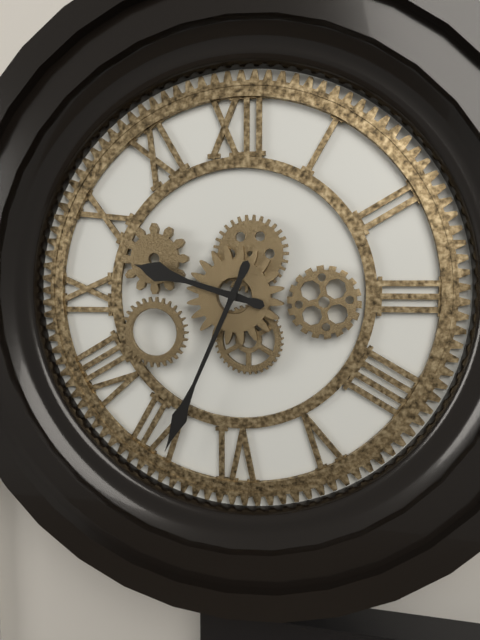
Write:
9,34
